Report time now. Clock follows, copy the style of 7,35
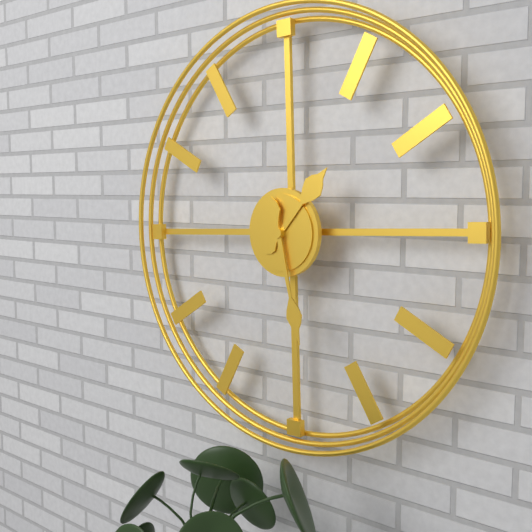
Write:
1,28
